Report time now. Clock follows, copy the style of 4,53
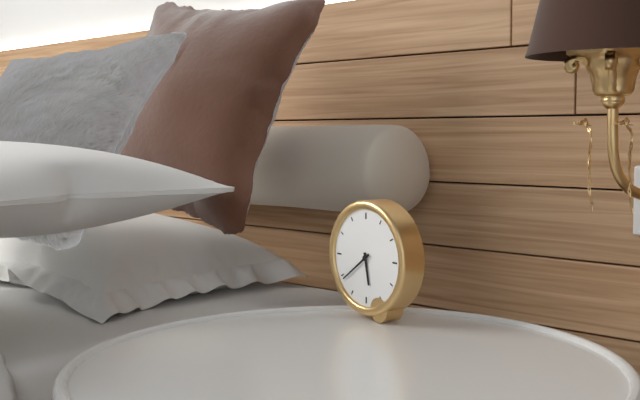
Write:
5,39
